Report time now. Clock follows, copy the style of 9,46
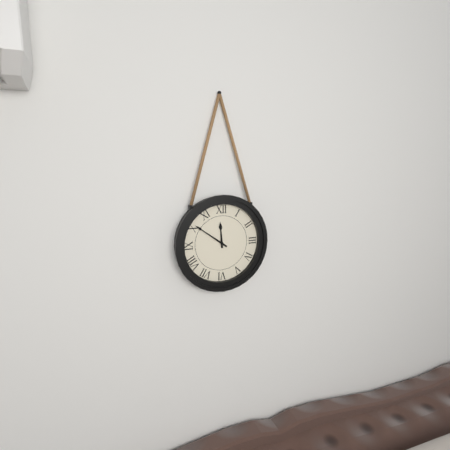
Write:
11,51
